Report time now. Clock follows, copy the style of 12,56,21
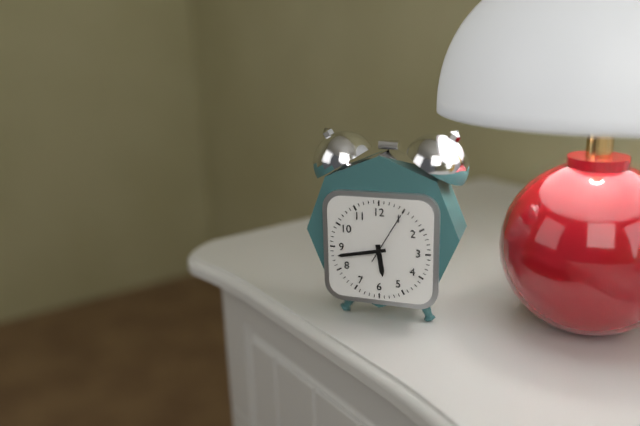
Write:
5,43,05
